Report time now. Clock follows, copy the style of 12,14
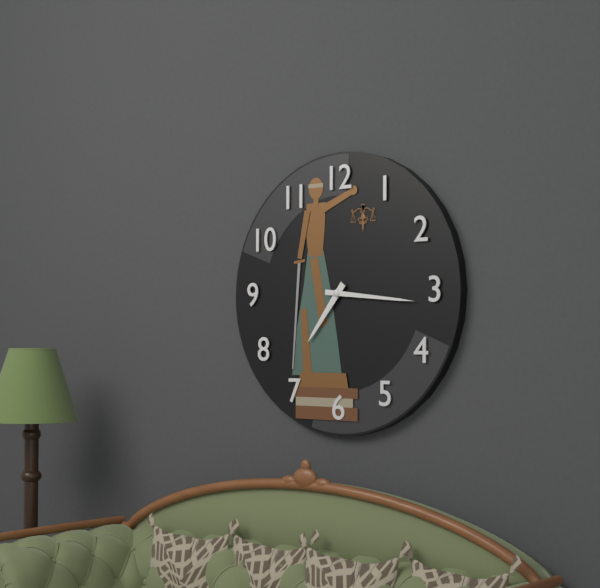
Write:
7,16
